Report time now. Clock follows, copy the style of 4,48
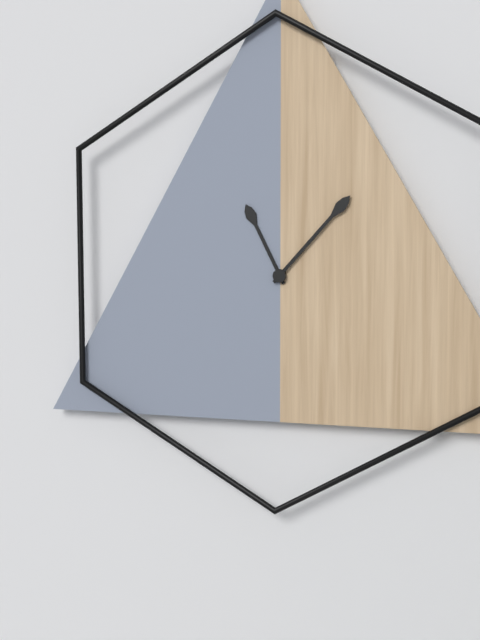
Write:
11,07
